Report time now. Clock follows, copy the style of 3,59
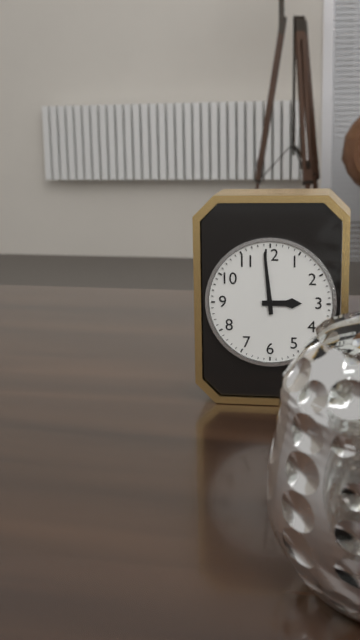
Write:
2,59
